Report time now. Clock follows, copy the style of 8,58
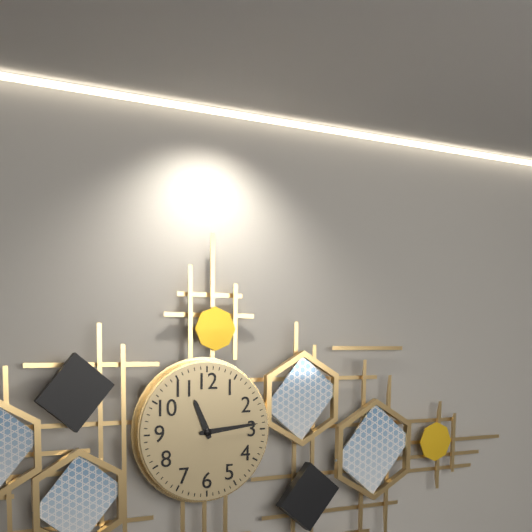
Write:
11,14
